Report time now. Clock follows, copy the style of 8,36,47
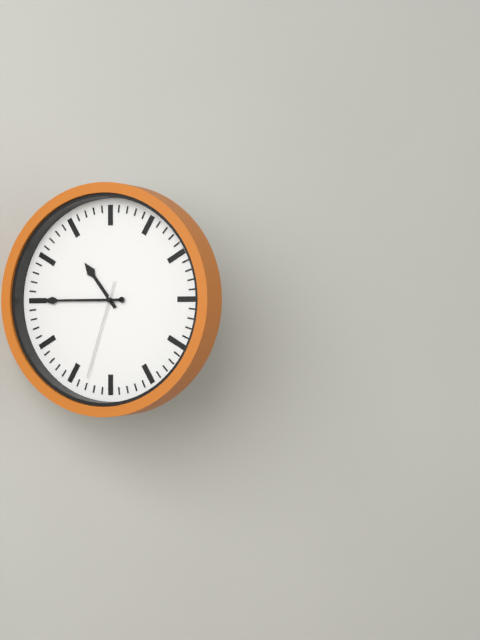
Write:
10,45,33
